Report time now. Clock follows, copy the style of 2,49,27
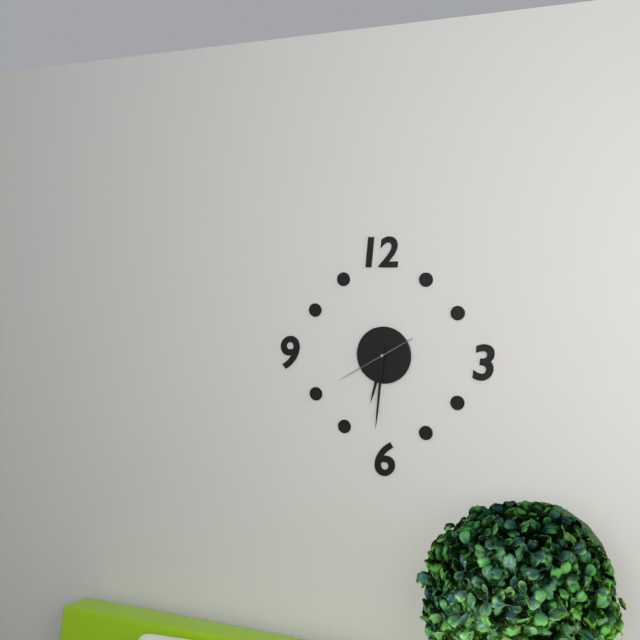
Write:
6,31,40
